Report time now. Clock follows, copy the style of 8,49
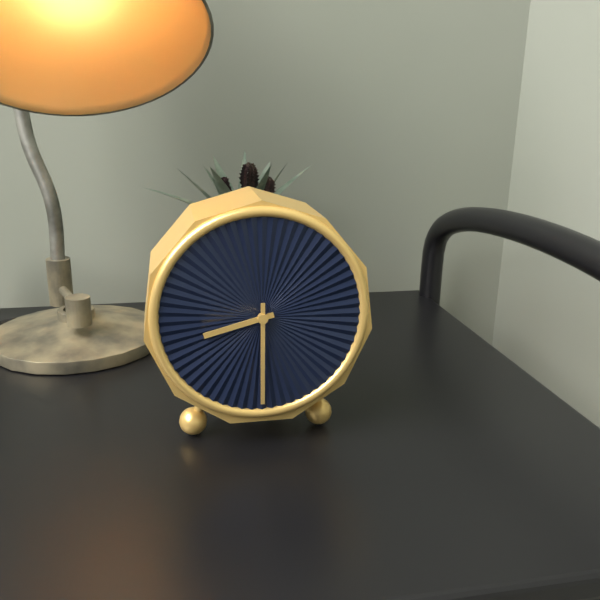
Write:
8,30
